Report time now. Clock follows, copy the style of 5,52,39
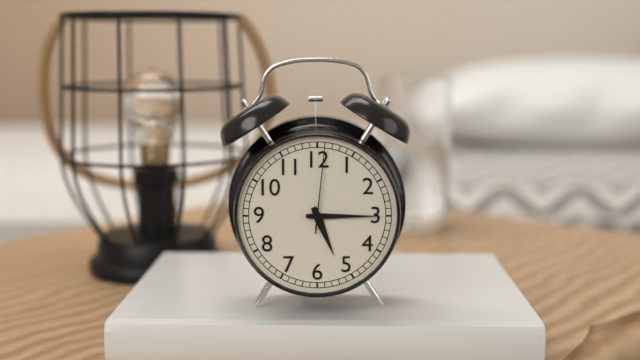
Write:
5,15,01
